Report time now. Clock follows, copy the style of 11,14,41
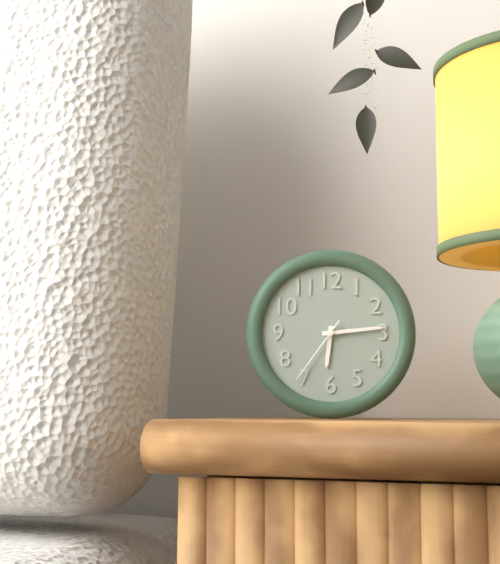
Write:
6,14,36
